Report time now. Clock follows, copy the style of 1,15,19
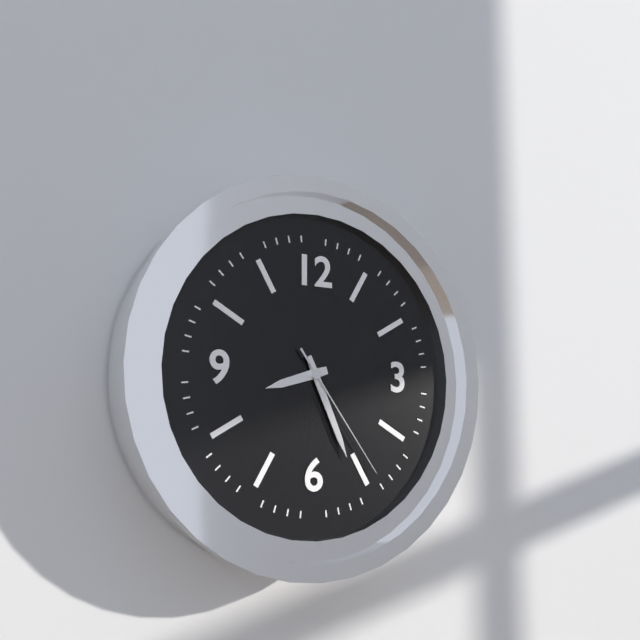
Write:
8,26,24
